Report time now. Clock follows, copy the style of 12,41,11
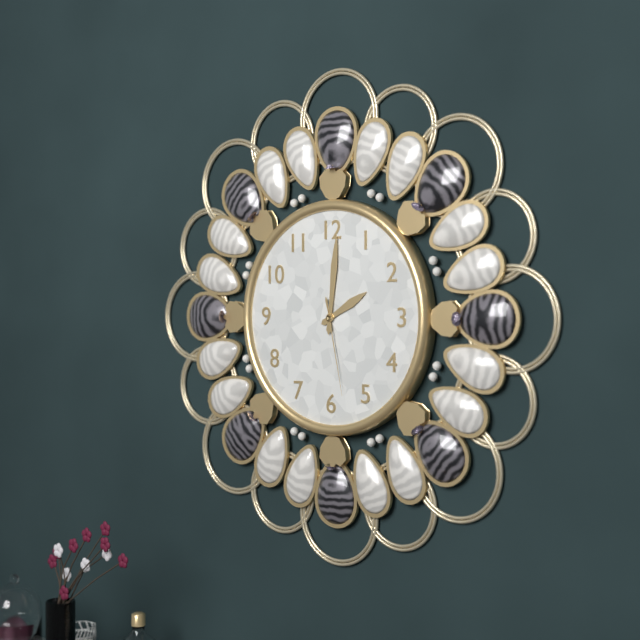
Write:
2,01,28
